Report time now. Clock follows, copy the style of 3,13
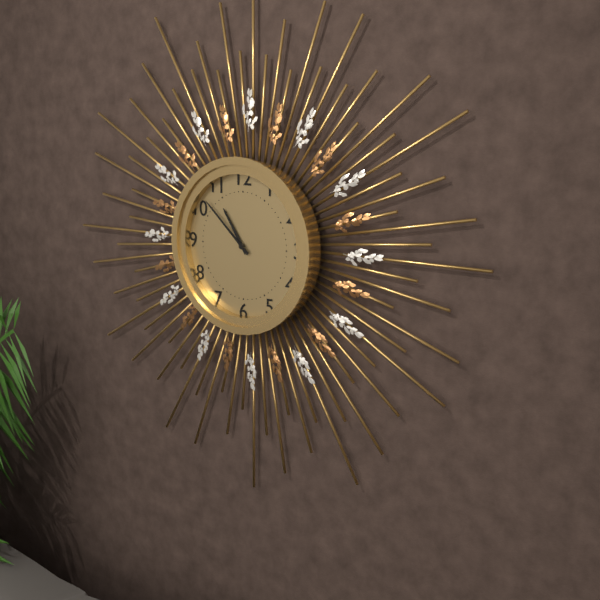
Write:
10,52
